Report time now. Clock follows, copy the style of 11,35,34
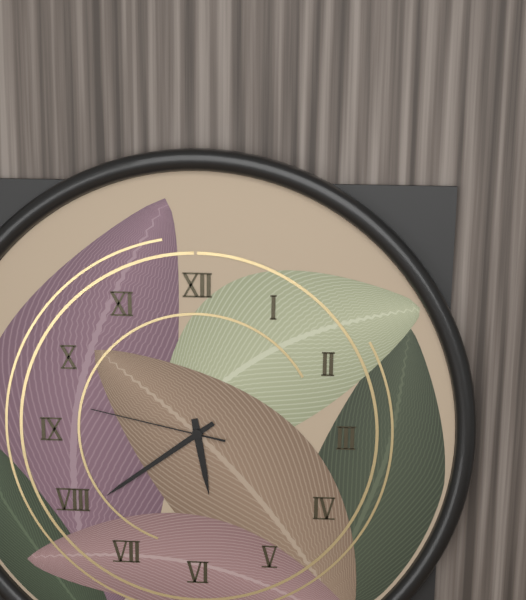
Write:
5,39,47
